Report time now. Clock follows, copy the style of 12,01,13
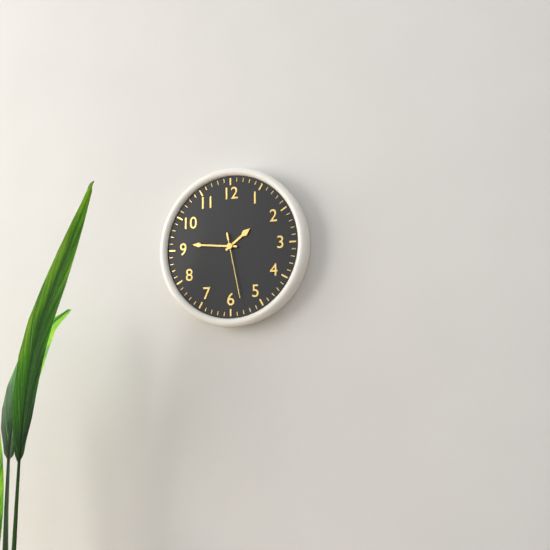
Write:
1,46,28
